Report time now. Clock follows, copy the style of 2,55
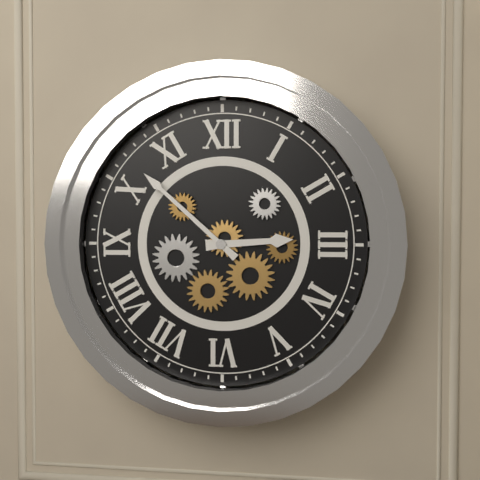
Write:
2,52
